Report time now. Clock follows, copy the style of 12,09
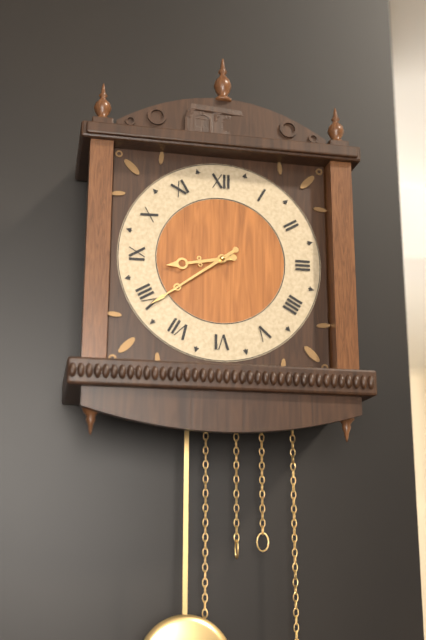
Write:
8,39
